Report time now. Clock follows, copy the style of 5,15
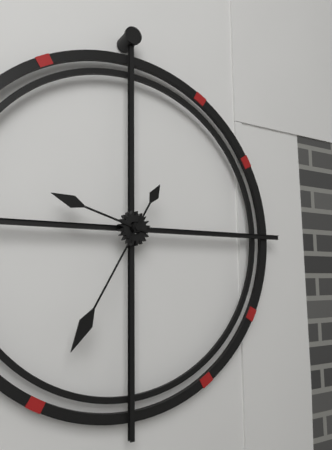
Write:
9,35
